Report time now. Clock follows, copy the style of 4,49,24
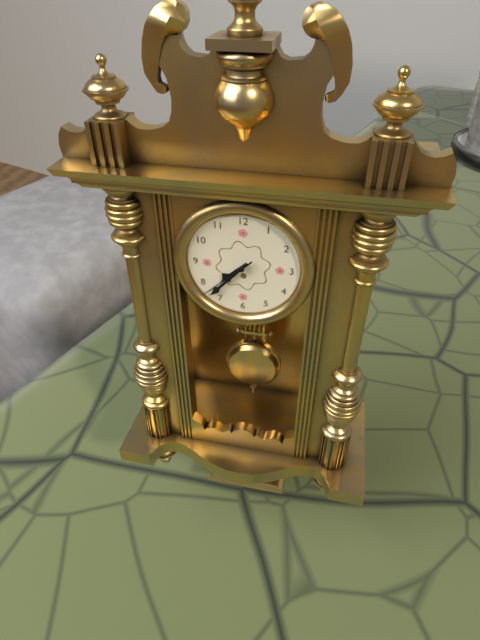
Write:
7,37,38
